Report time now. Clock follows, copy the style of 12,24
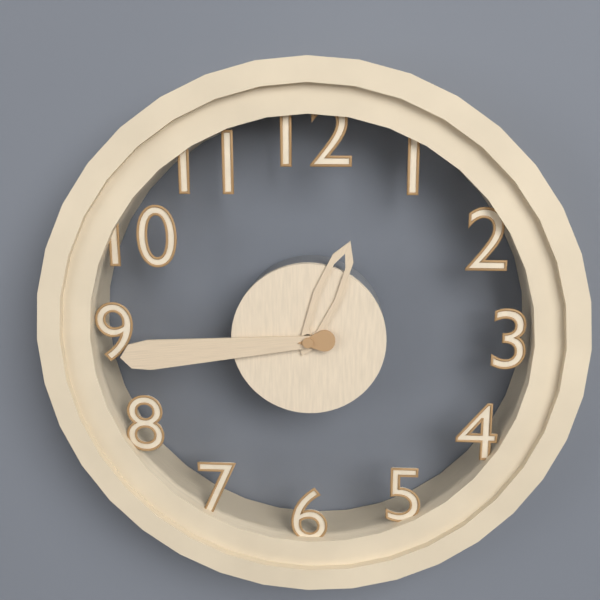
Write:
12,44
